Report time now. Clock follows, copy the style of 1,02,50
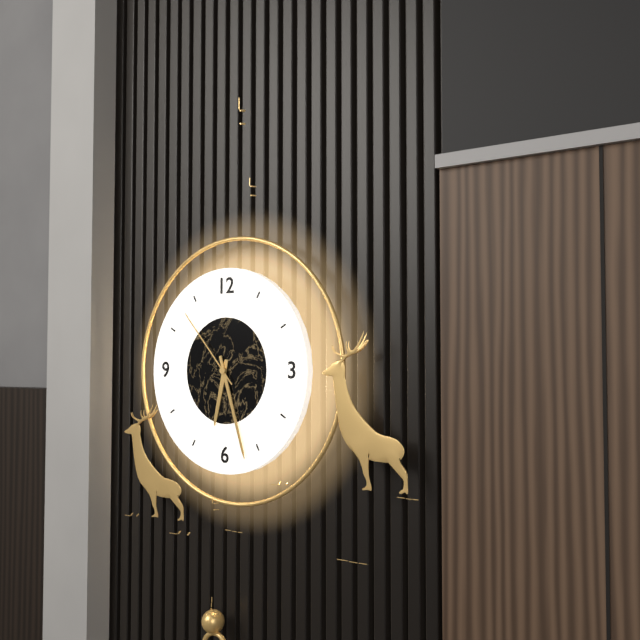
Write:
6,27,53
